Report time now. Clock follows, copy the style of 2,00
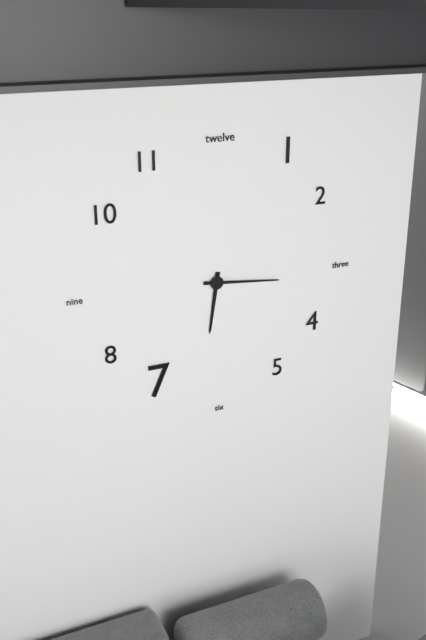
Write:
6,16
